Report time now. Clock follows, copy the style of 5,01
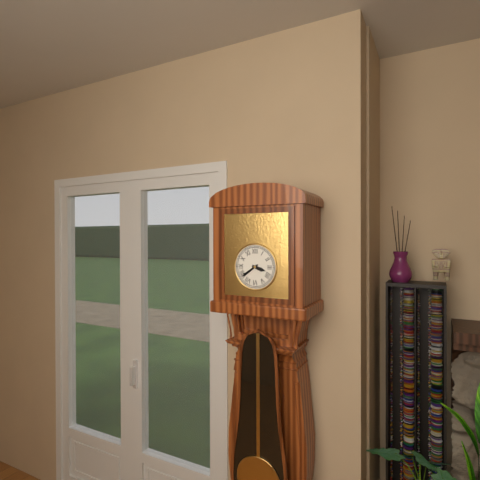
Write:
3,39
